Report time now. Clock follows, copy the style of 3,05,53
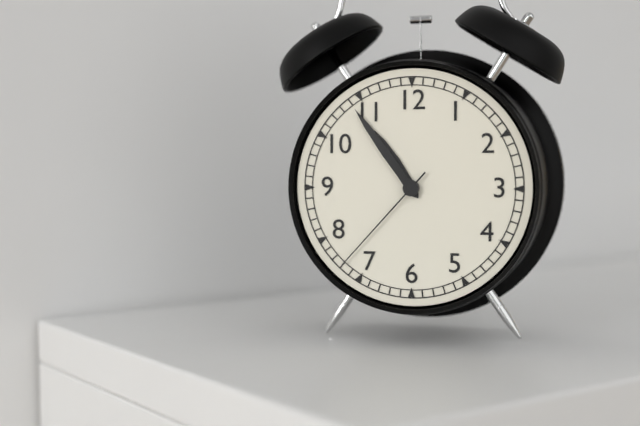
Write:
10,54,37
